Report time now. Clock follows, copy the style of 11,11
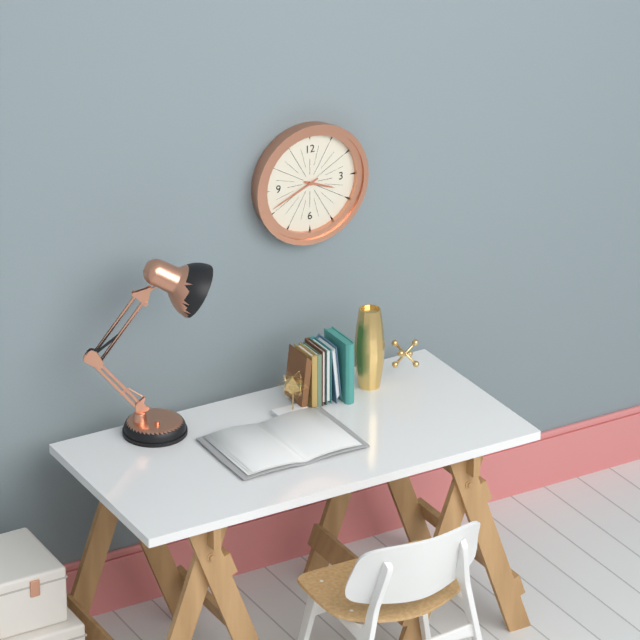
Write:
3,41
